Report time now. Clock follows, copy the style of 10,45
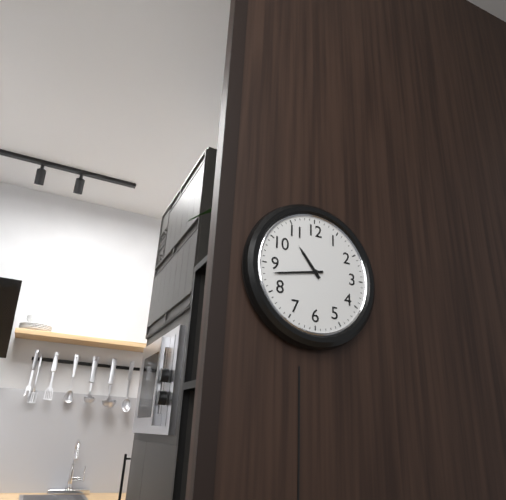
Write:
10,43
